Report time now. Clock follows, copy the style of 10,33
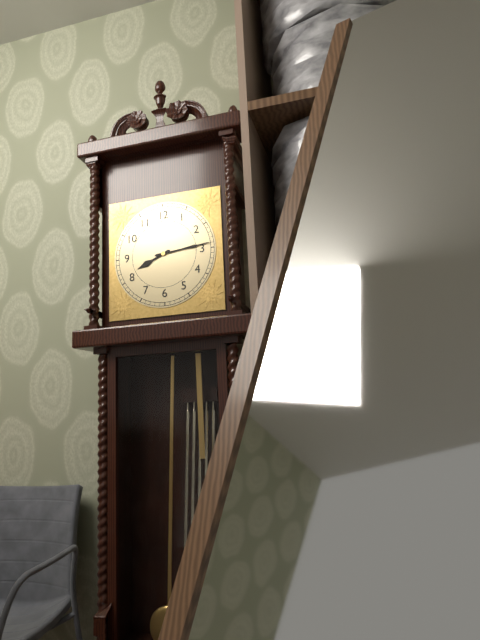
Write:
8,14
